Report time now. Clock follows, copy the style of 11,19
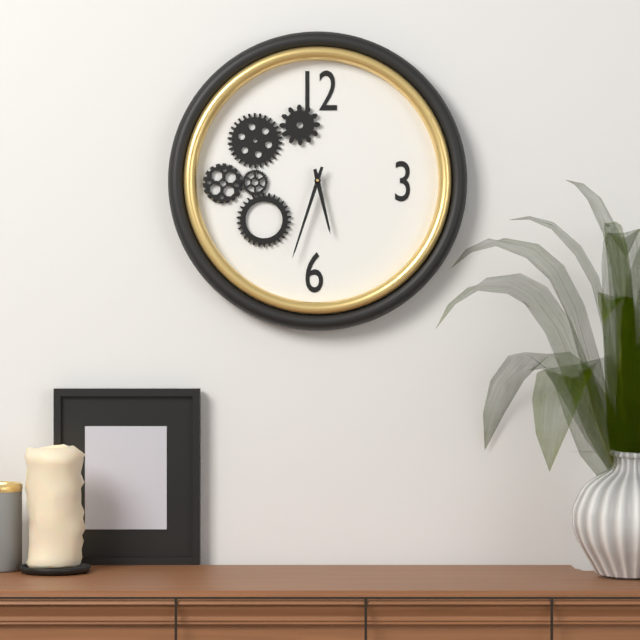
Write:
5,33
